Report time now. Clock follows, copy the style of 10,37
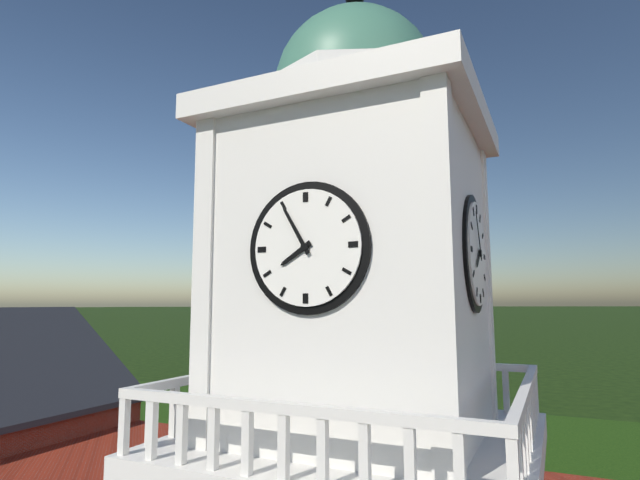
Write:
7,55
